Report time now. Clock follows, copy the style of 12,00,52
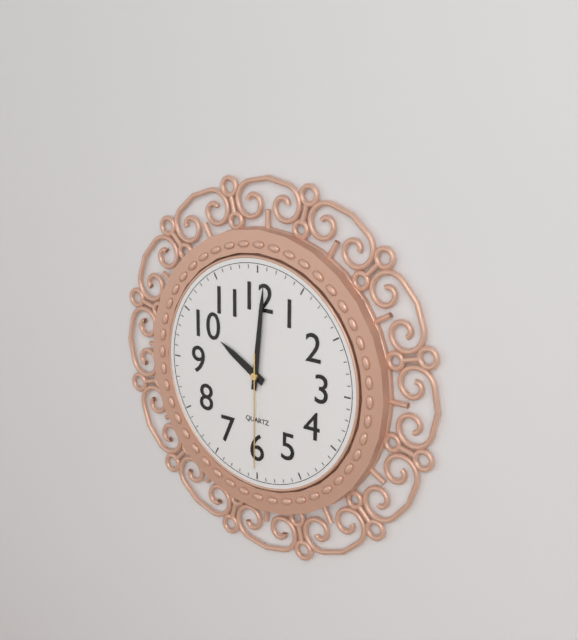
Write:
10,01,30
